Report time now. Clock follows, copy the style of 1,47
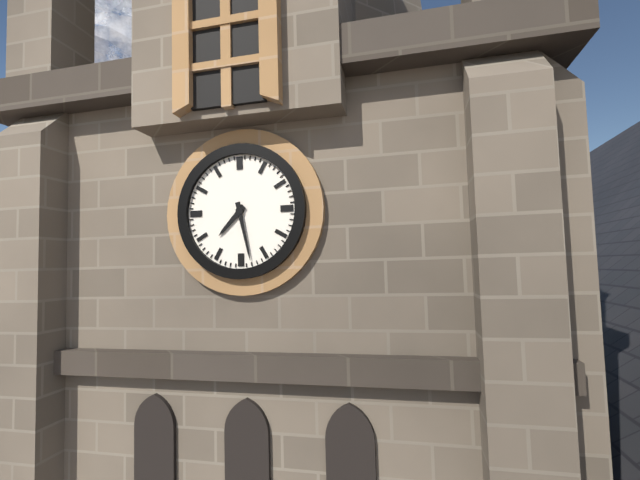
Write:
7,28
